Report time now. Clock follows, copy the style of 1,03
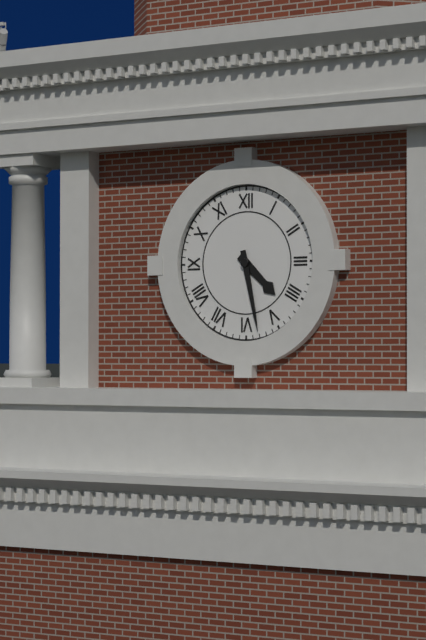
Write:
4,28
